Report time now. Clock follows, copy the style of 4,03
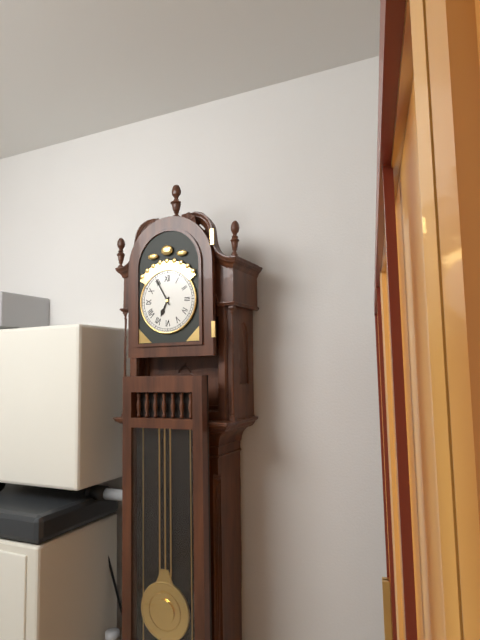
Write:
6,55
